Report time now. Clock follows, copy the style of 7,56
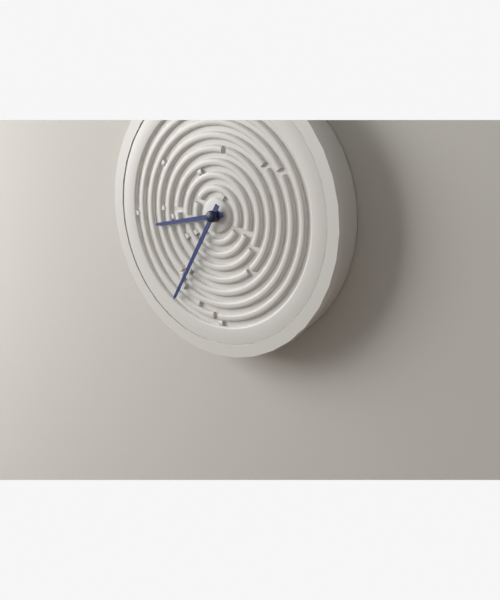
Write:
8,35
